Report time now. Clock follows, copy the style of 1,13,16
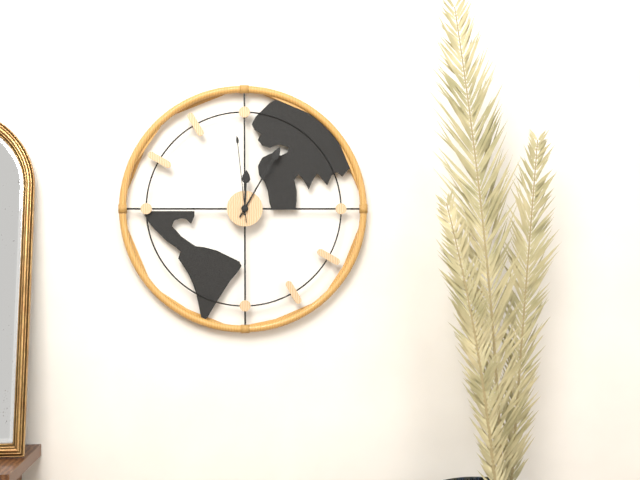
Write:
12,05,59
